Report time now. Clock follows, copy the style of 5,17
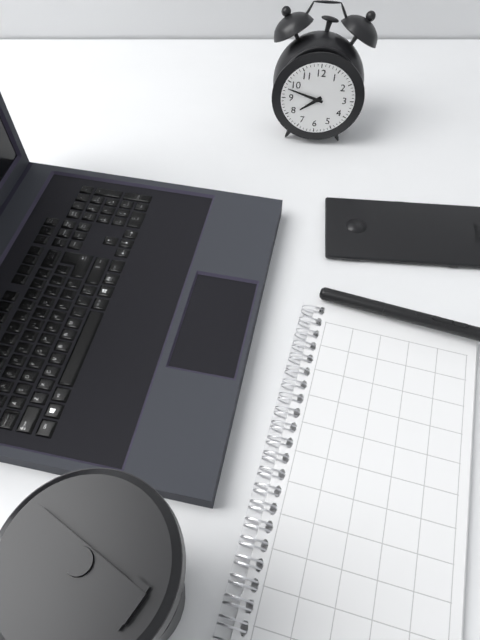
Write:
7,48
